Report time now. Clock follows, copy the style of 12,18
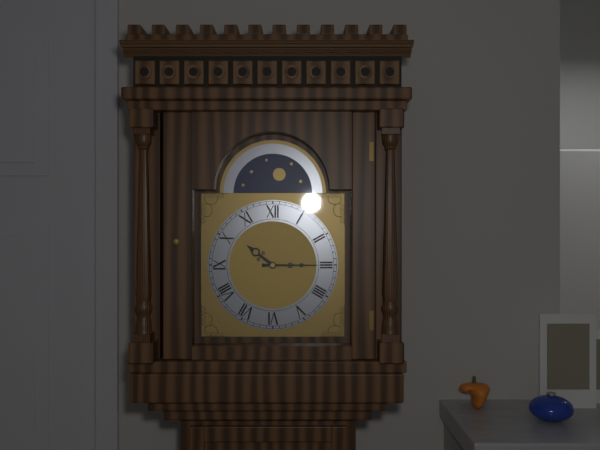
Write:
10,15
